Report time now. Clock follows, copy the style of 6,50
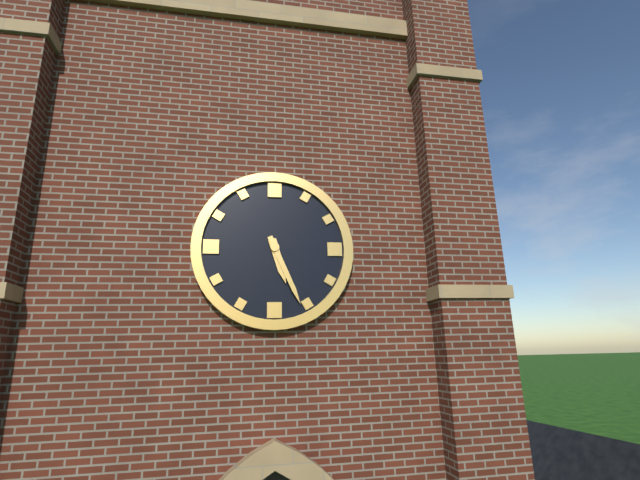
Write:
5,26
